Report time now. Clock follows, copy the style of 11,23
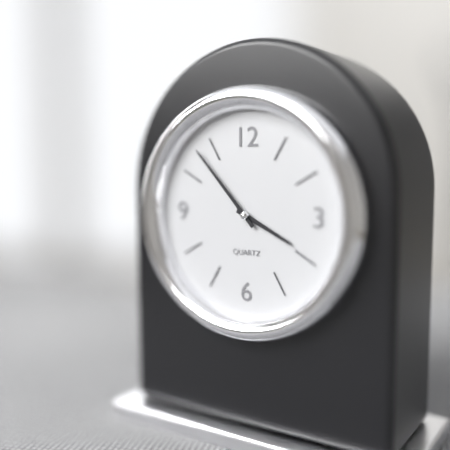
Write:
3,53
